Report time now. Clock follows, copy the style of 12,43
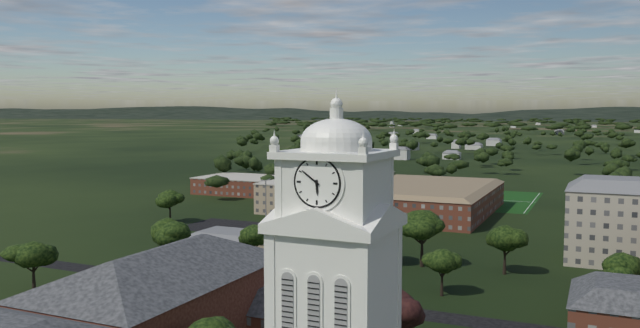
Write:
5,51
